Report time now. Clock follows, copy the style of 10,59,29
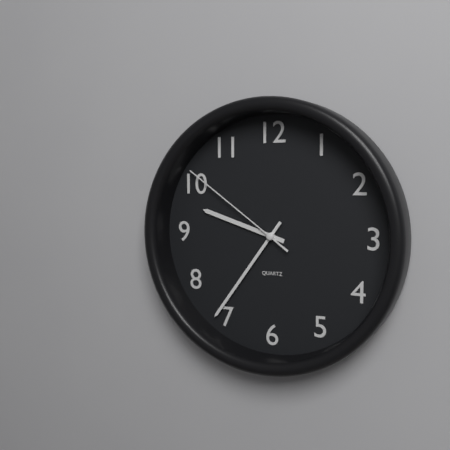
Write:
9,36,51
